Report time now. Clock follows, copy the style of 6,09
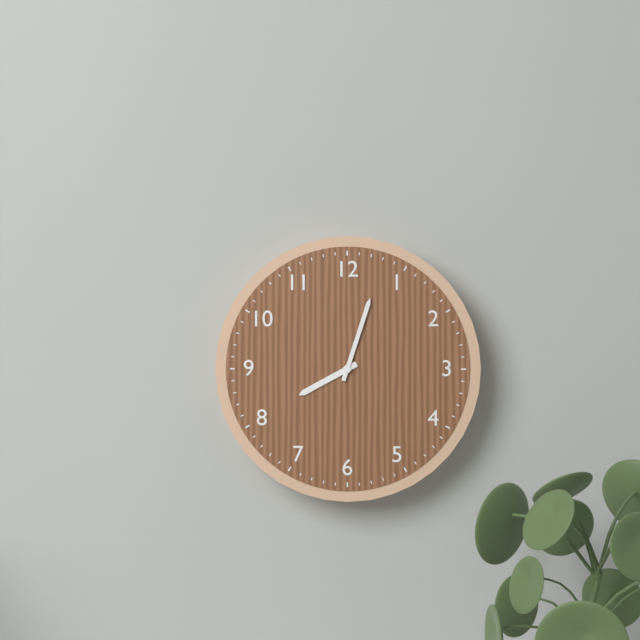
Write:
8,03
